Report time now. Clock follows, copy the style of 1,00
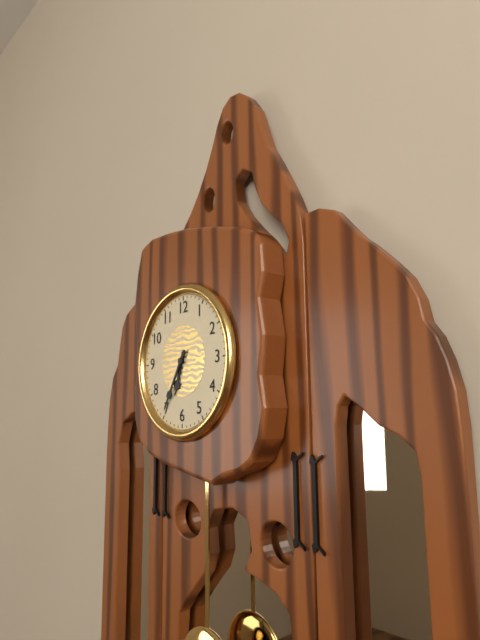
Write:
6,35
